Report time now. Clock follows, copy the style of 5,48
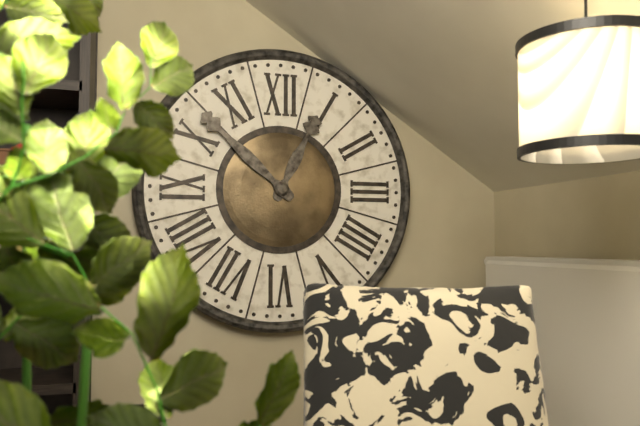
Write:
12,52
